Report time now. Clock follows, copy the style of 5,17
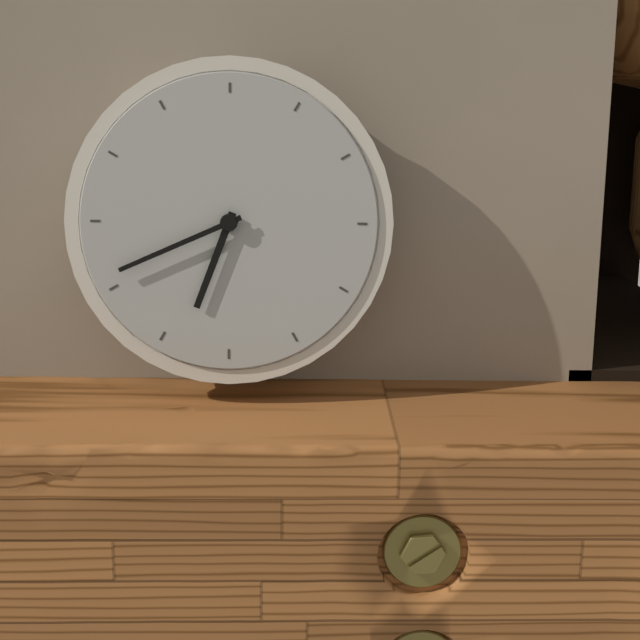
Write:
6,41
